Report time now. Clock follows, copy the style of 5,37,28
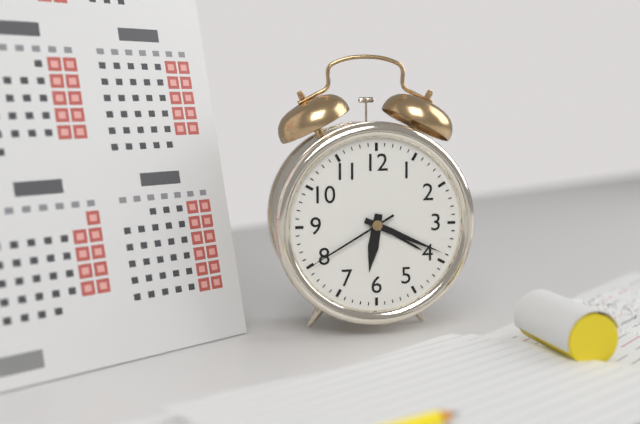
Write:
6,19,40
